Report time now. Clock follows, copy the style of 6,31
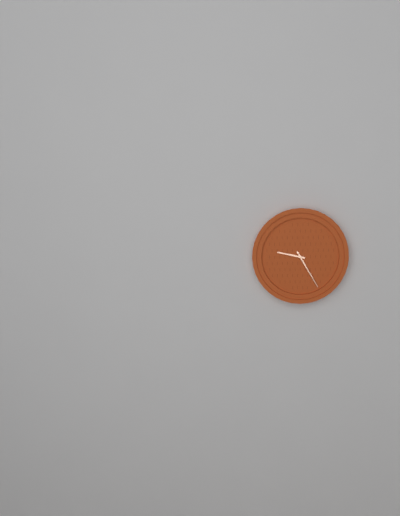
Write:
9,25
